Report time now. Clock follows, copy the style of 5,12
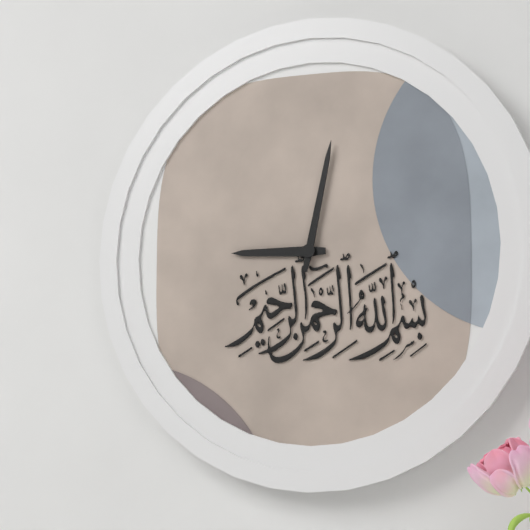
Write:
9,02
